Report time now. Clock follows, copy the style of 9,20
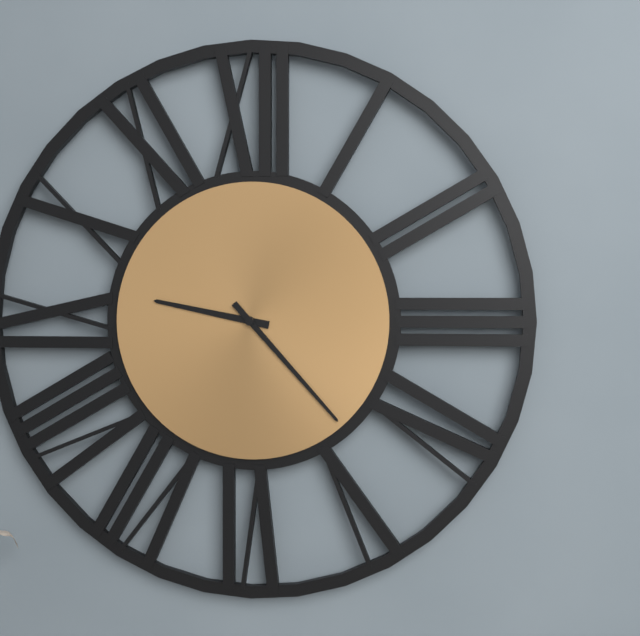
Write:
9,23
